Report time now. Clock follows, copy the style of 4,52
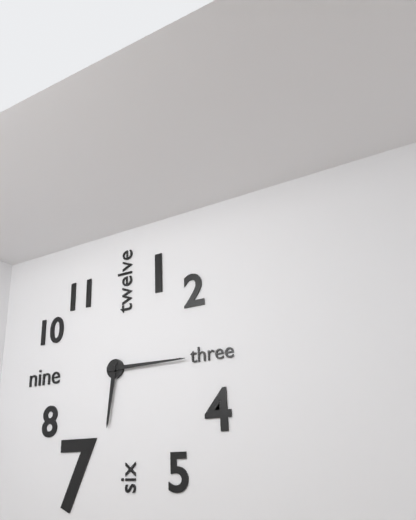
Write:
6,15
